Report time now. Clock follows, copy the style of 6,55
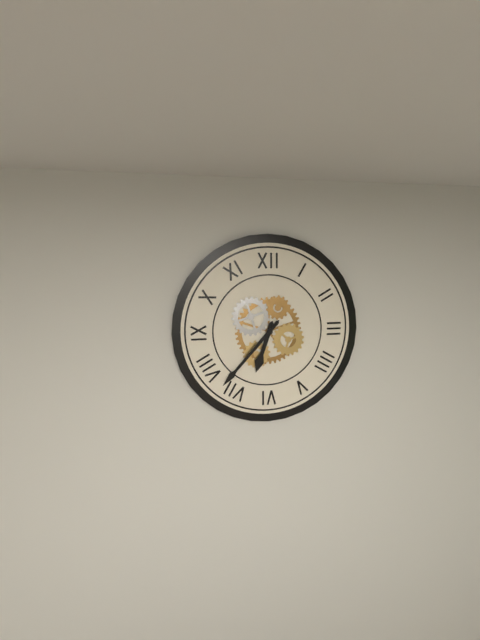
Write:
6,37
